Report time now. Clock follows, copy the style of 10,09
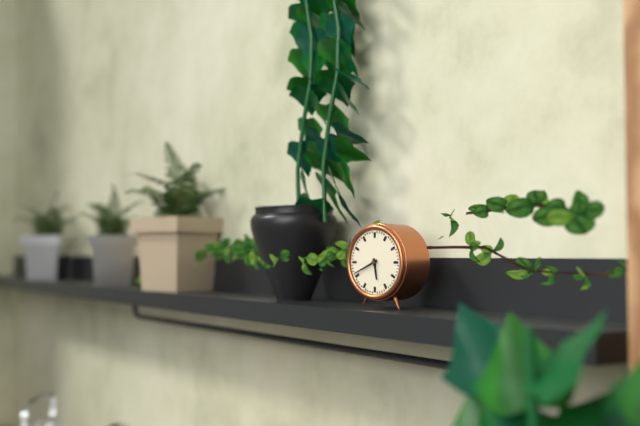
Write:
5,41
